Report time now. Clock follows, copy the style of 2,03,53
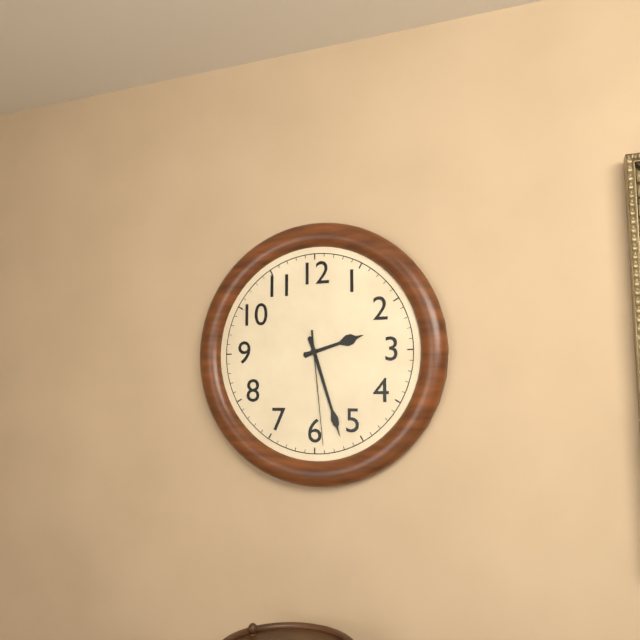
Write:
2,27,29
